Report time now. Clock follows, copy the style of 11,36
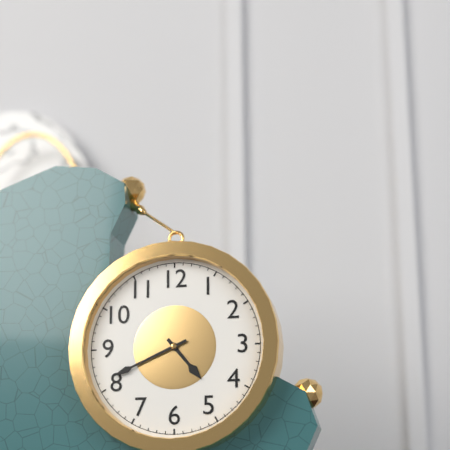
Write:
4,41
